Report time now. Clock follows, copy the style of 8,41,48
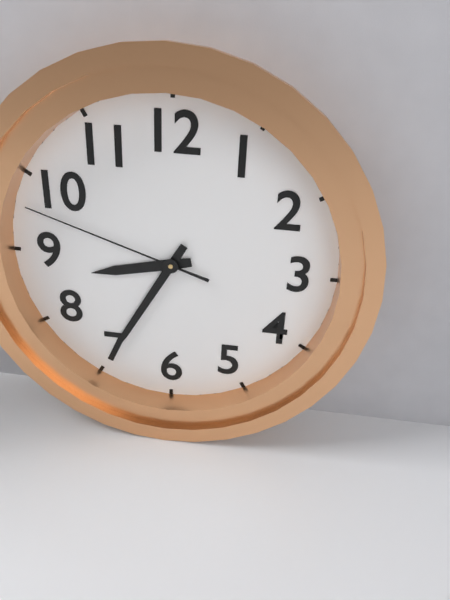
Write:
8,35,48
